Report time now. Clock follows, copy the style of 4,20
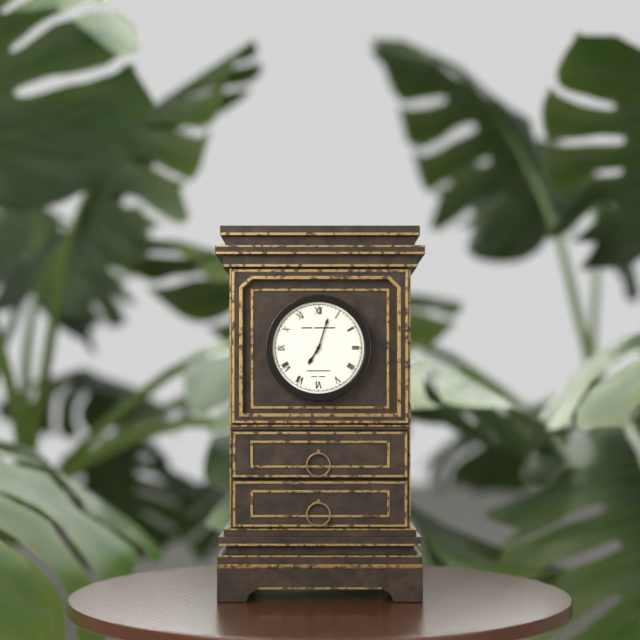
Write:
7,03
